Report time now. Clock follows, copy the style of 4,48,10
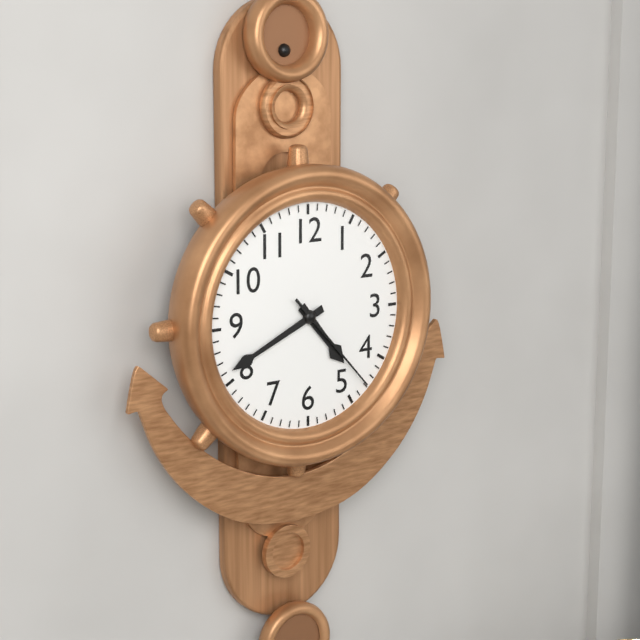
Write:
4,41,23
